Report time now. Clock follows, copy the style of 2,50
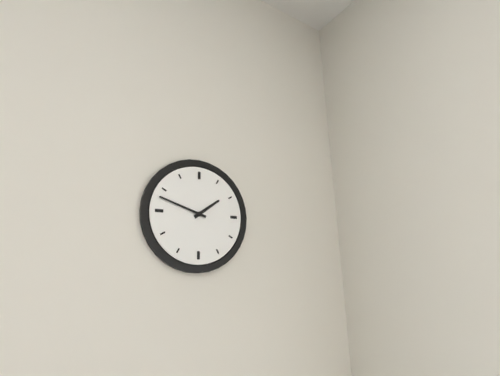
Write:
1,48
